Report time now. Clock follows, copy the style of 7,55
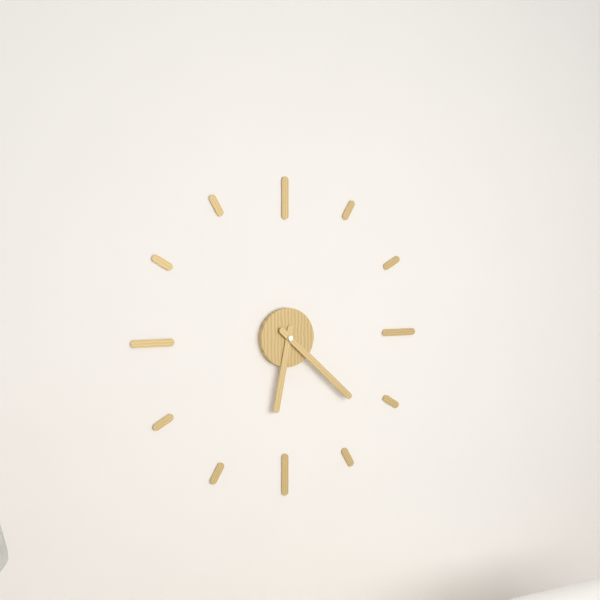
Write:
6,22
